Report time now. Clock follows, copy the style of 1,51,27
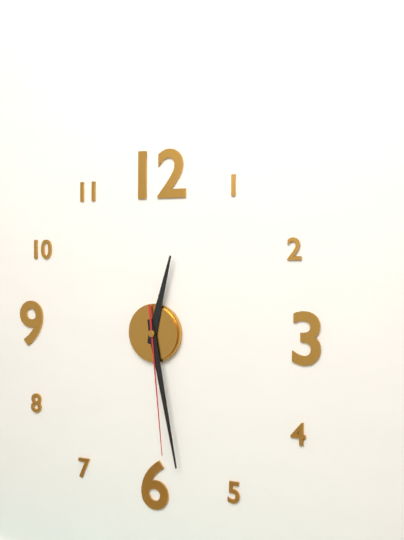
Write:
12,28,29
